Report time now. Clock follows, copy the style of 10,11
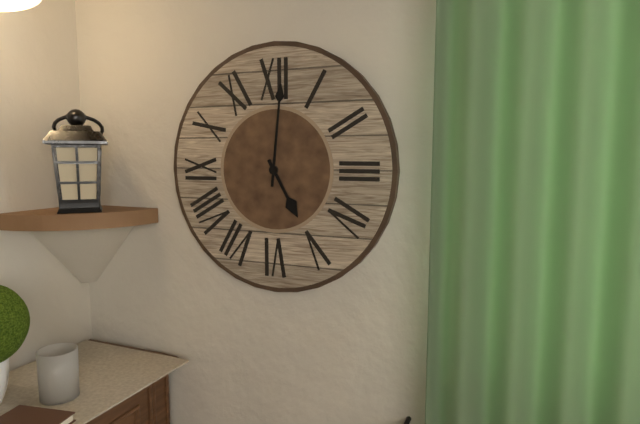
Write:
5,01
